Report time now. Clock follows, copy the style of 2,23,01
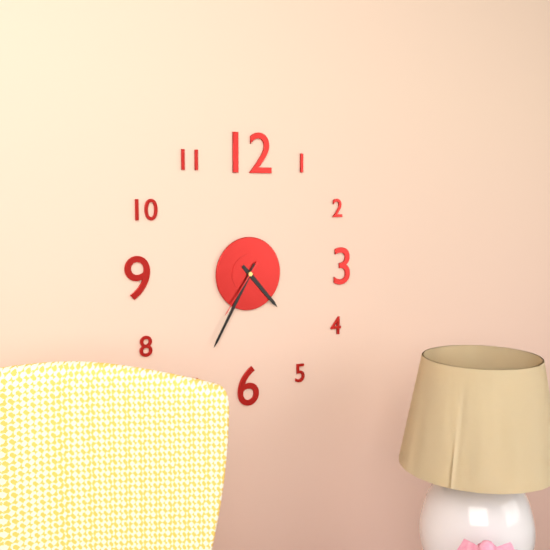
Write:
4,35,36
